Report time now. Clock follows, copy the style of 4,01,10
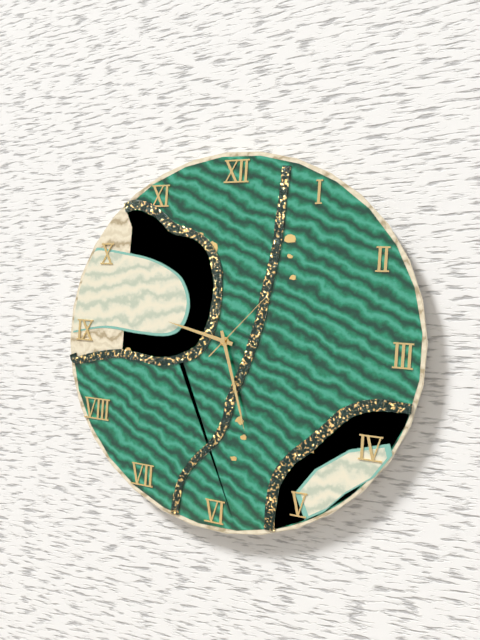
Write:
9,27,07
